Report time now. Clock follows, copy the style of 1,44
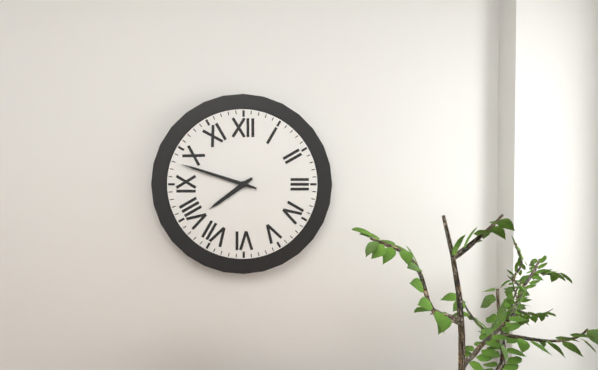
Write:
7,48
